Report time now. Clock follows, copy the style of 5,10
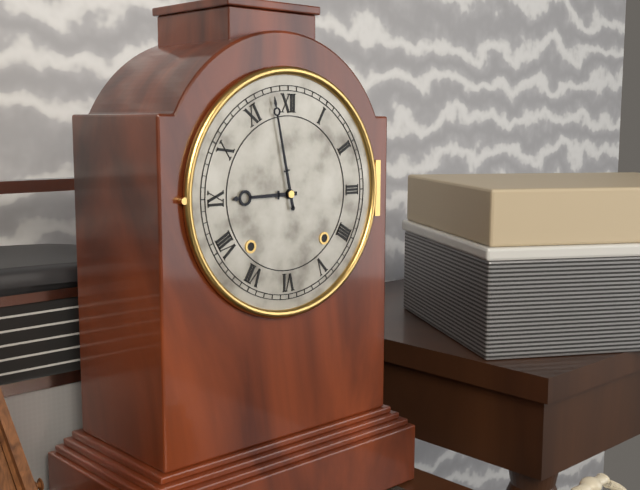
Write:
8,58
